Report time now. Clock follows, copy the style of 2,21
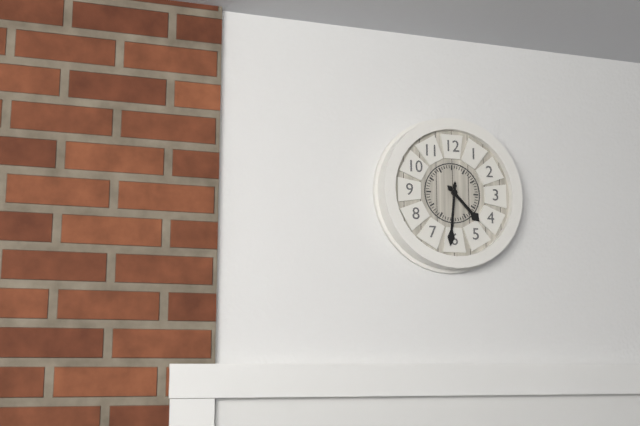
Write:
4,31
